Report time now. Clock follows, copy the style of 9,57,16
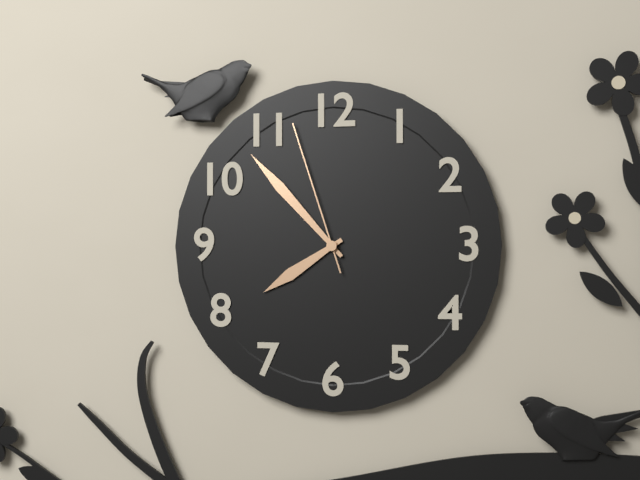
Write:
7,53,57
